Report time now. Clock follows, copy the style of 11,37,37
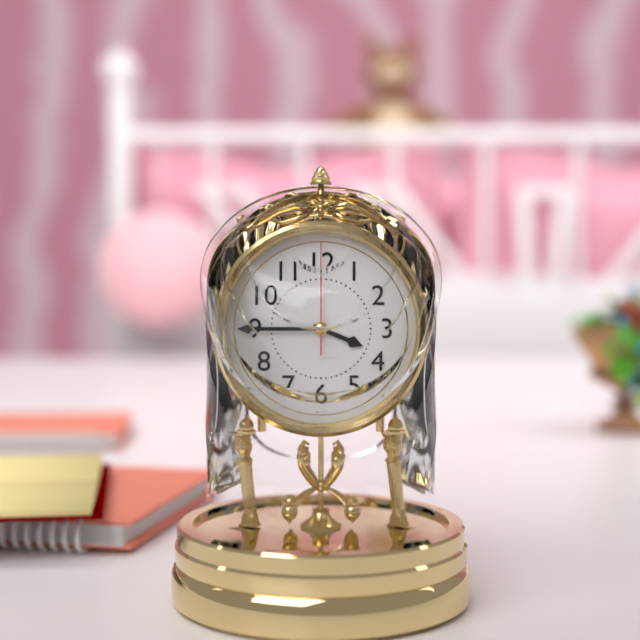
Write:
3,45,00
